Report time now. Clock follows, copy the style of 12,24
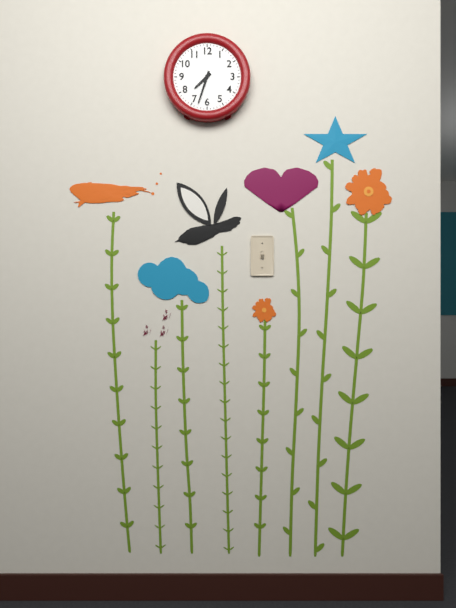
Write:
7,33
